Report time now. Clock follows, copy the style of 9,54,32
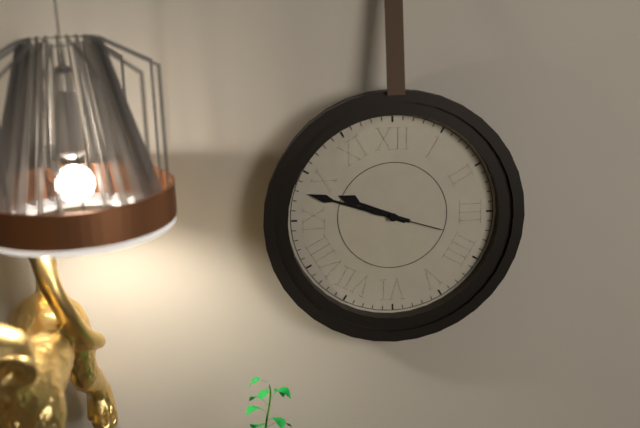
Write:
9,48,18
